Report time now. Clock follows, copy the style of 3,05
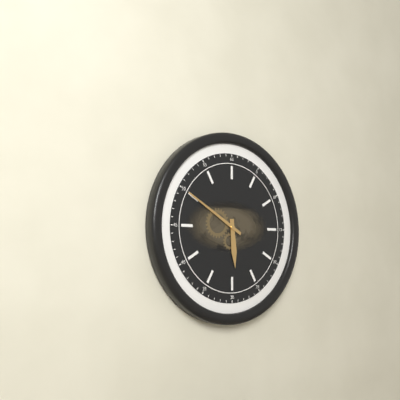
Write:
5,50
